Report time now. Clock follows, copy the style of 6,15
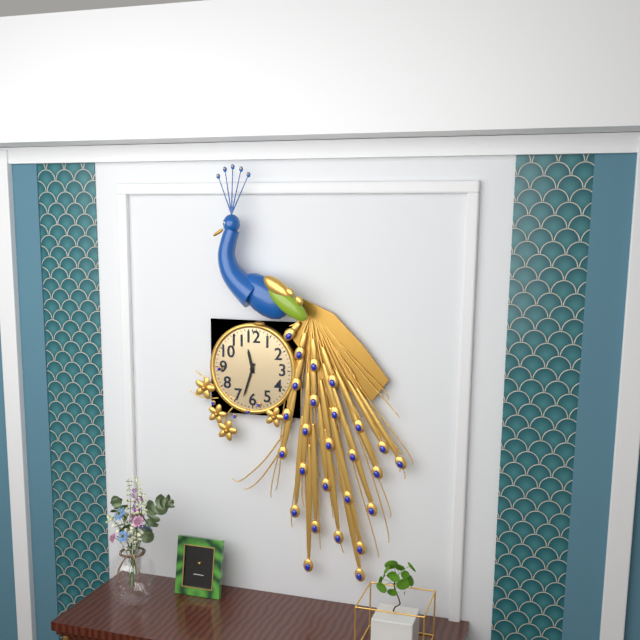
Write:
11,33
